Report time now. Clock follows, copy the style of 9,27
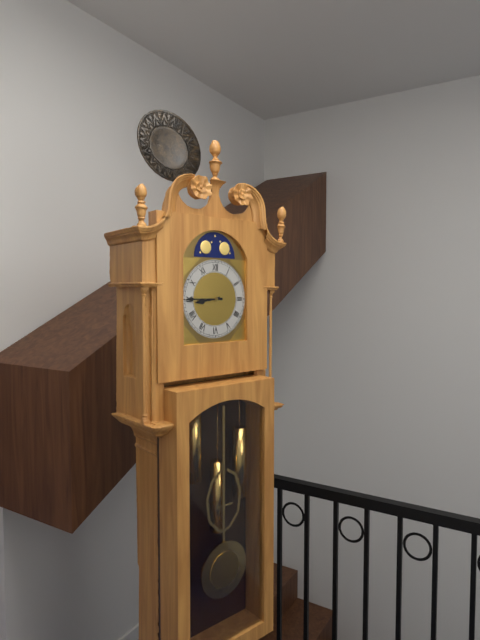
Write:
8,45
